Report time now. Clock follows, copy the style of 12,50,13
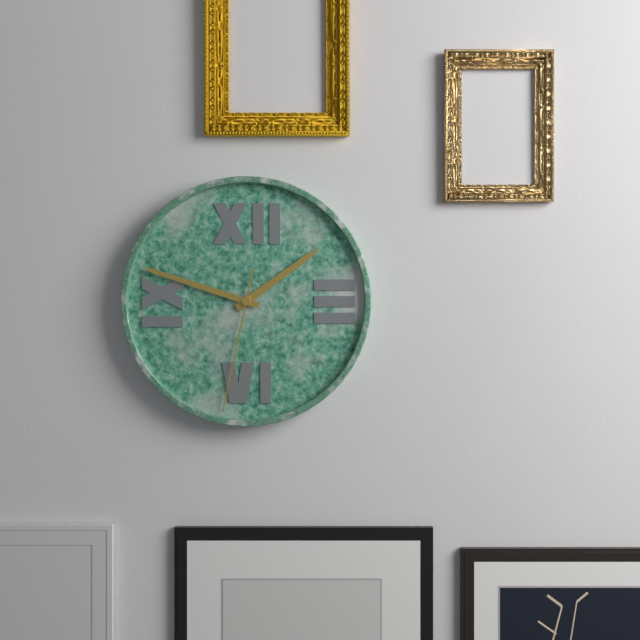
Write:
1,48,32
